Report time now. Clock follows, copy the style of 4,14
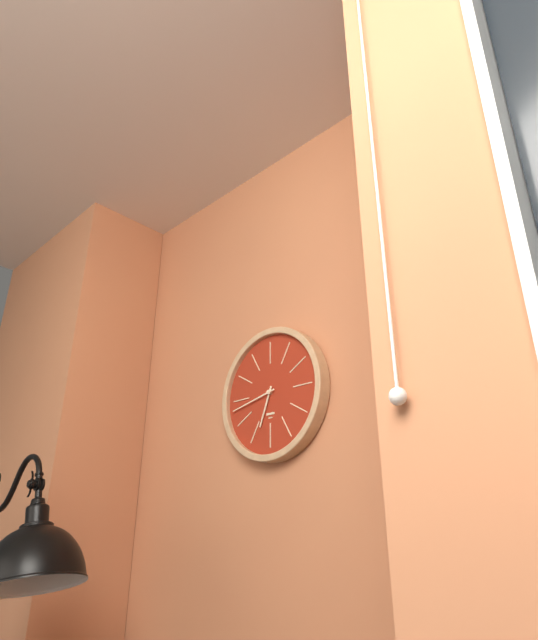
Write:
6,43
